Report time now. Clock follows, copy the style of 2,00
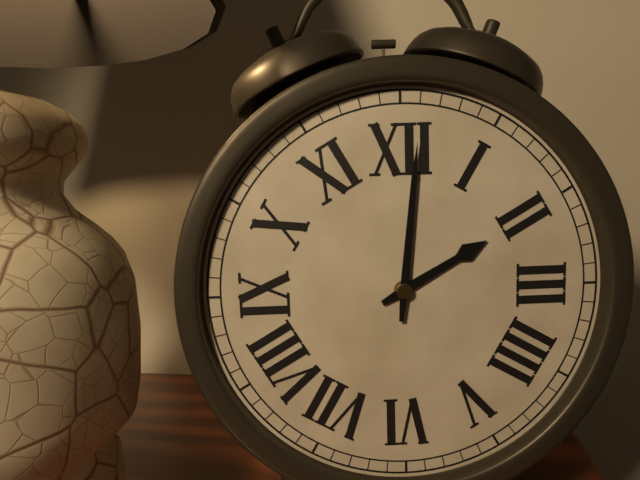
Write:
2,01
